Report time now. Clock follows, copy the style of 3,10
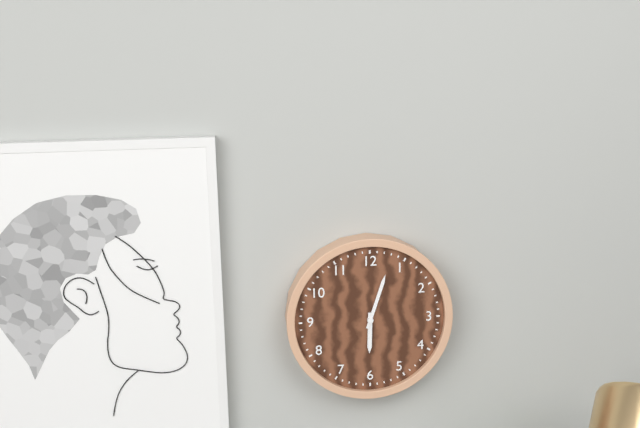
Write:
6,03
